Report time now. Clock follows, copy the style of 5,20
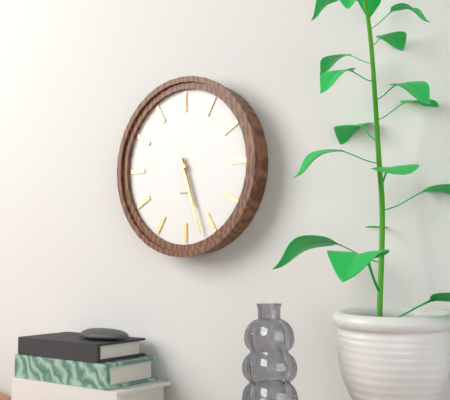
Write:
5,27
